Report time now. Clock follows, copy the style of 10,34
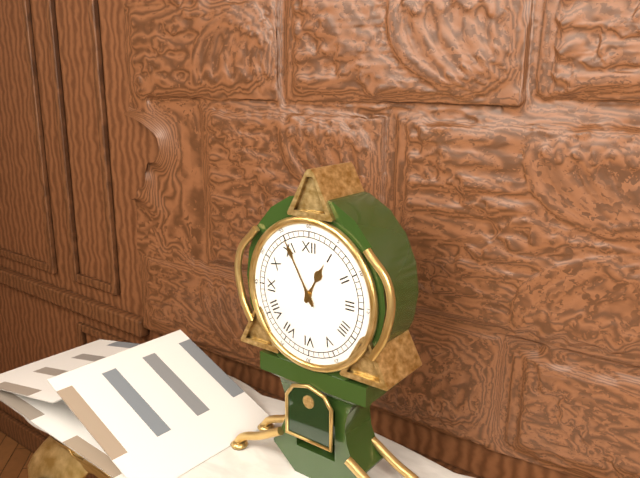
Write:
12,55
